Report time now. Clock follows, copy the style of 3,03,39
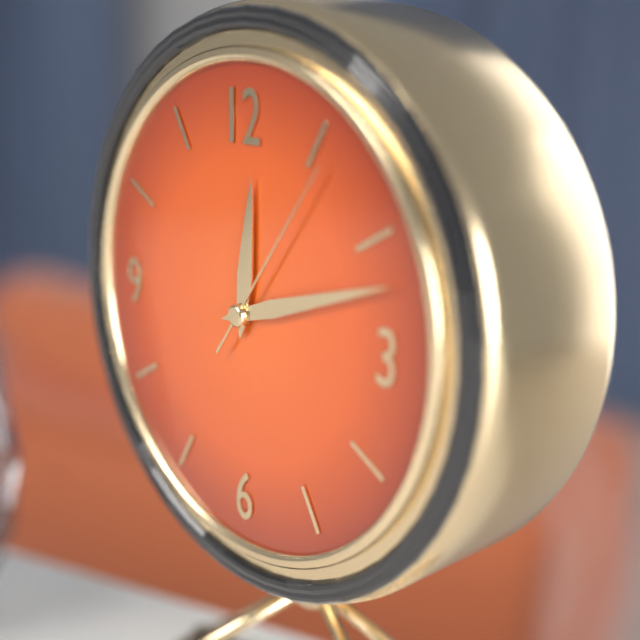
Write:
12,12,06
